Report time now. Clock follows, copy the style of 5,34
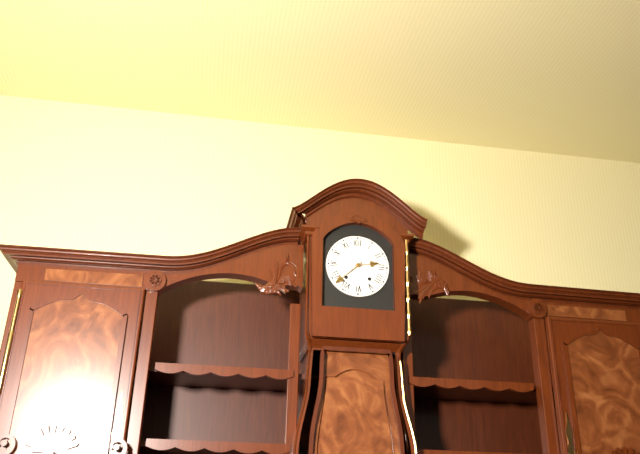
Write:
2,38
